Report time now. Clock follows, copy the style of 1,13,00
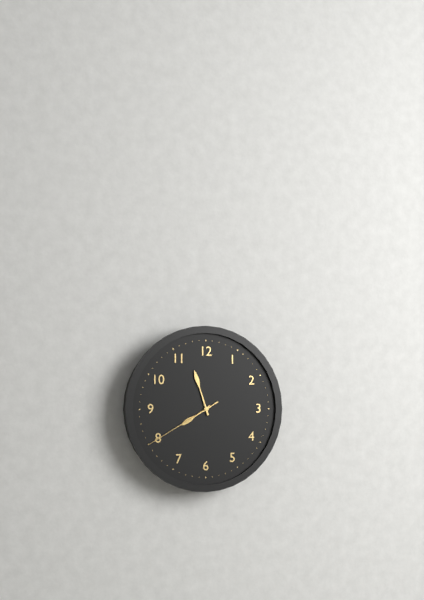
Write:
7,57,40
